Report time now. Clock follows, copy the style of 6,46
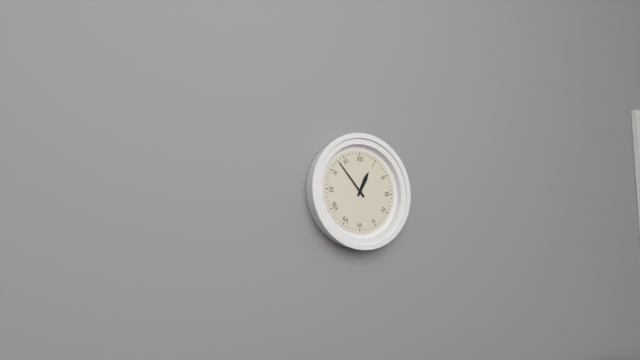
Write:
12,53
